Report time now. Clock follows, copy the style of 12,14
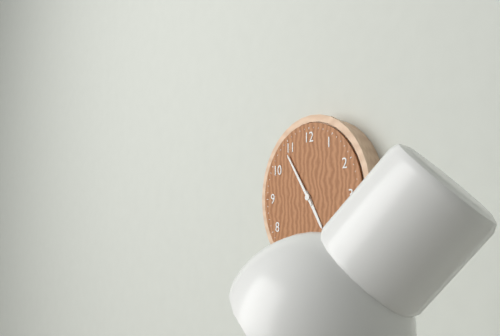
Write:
4,54
